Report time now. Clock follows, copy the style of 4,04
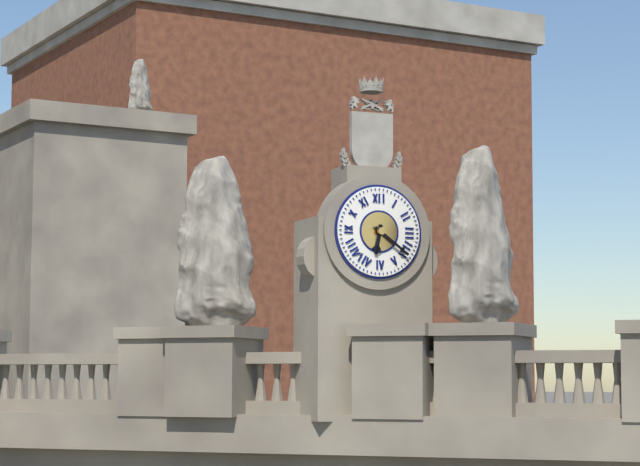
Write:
6,21
